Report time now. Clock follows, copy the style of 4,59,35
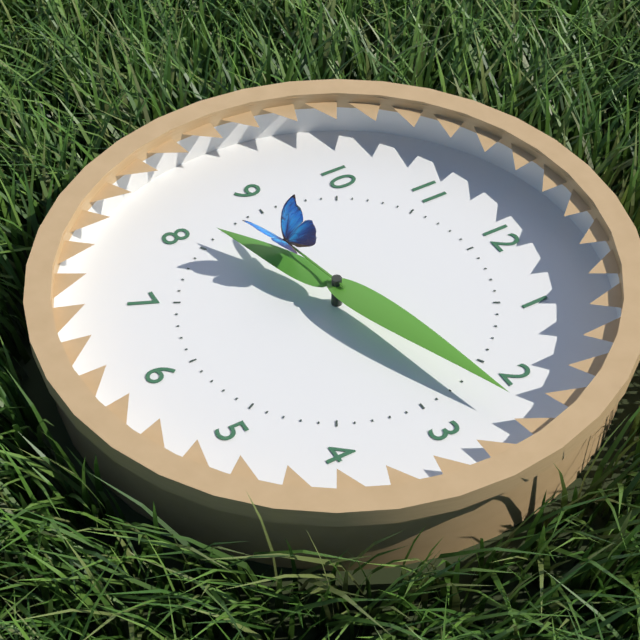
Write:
8,12,43
